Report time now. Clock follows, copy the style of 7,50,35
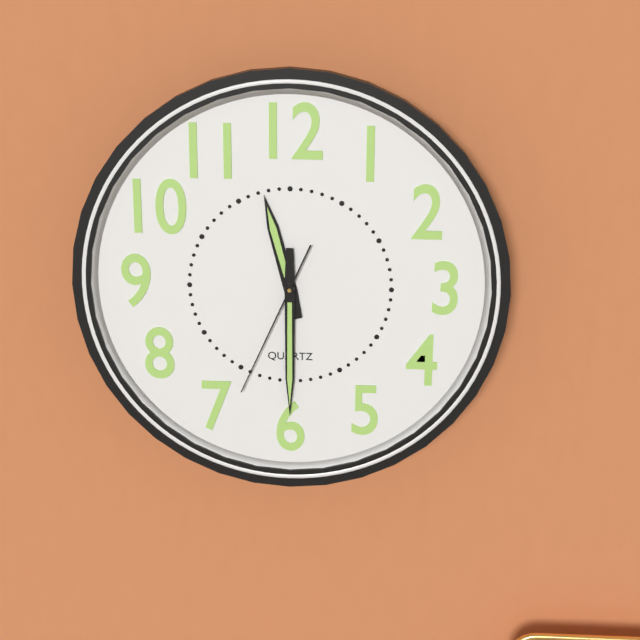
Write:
11,30,34
